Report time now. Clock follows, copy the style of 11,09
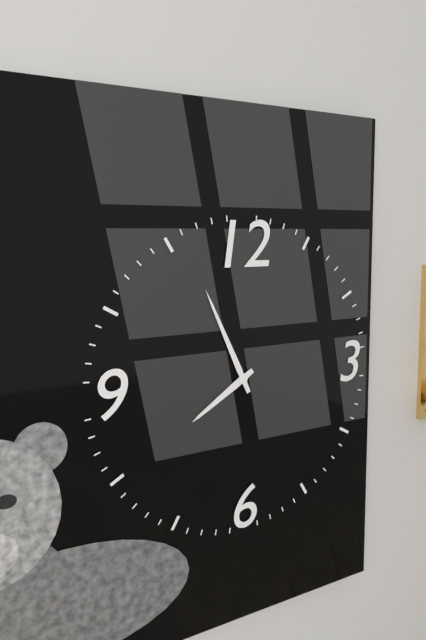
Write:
7,56
